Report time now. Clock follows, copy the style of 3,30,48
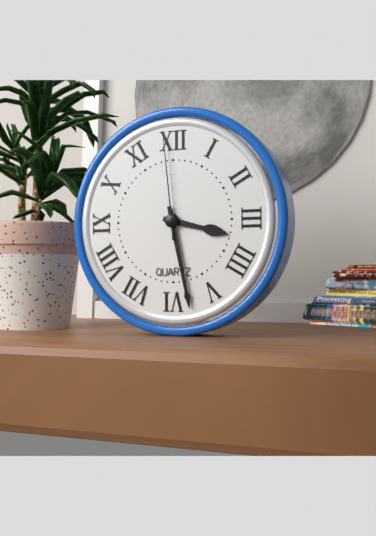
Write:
3,28,59
